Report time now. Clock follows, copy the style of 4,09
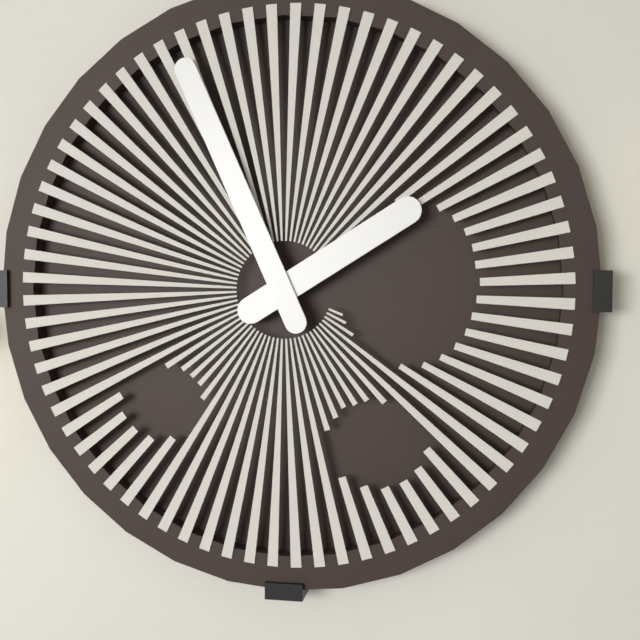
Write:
1,56
